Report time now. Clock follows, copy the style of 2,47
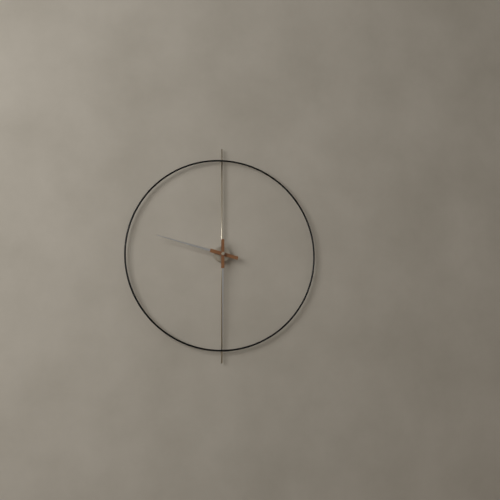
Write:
9,30
